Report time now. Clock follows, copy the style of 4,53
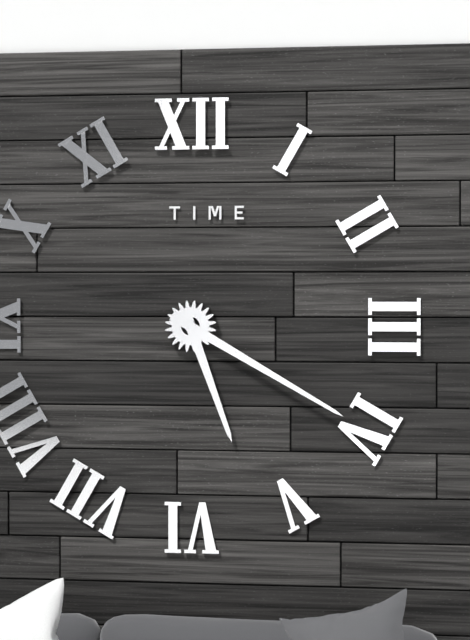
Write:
5,20
